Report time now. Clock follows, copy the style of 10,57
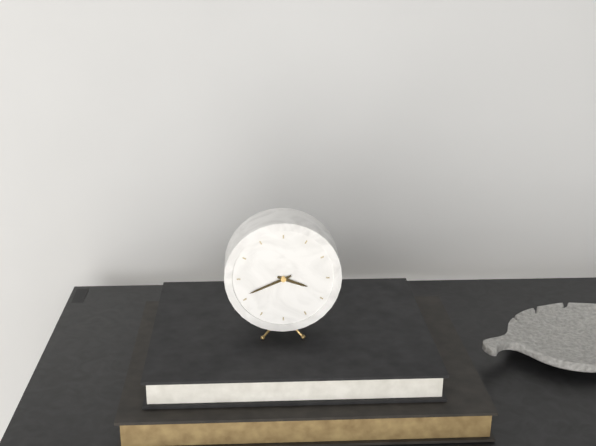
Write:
3,41
